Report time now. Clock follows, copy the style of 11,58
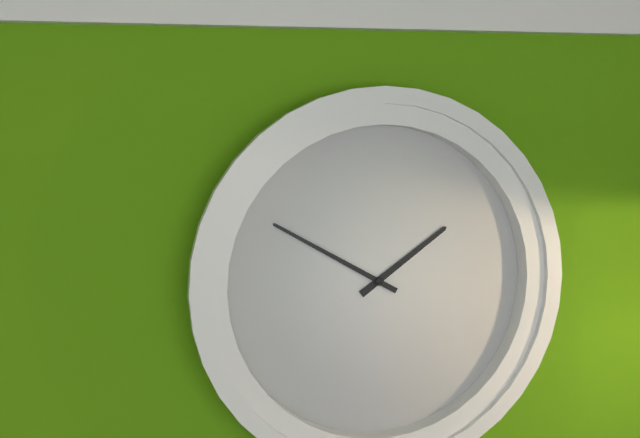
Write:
1,50
